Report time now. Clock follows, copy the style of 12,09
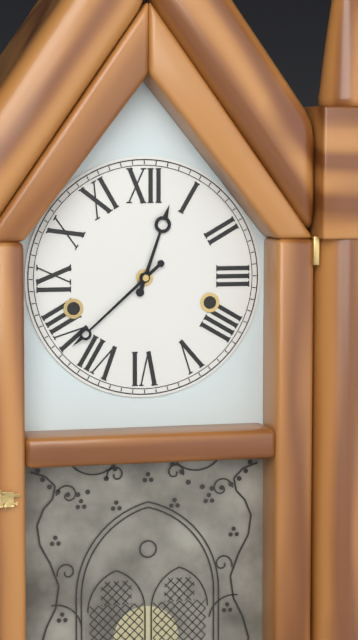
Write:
12,38
